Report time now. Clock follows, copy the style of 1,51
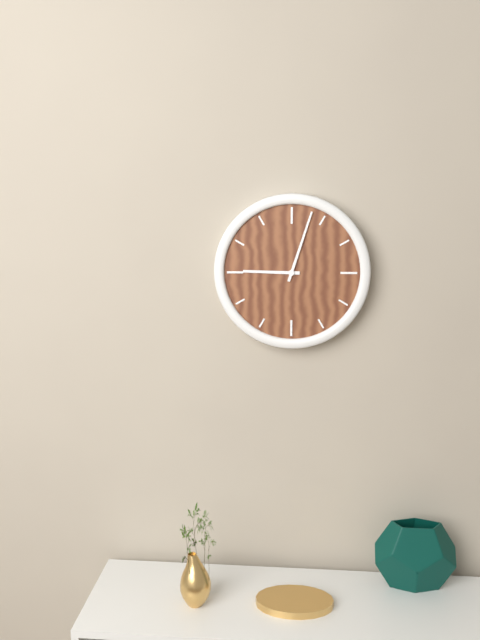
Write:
9,03
